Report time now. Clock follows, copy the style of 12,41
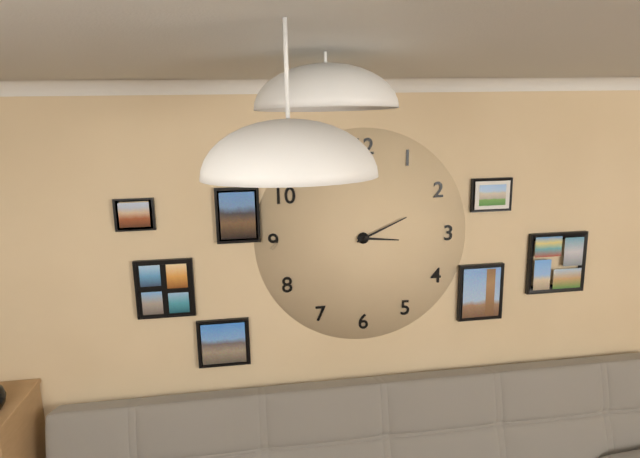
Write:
3,11
